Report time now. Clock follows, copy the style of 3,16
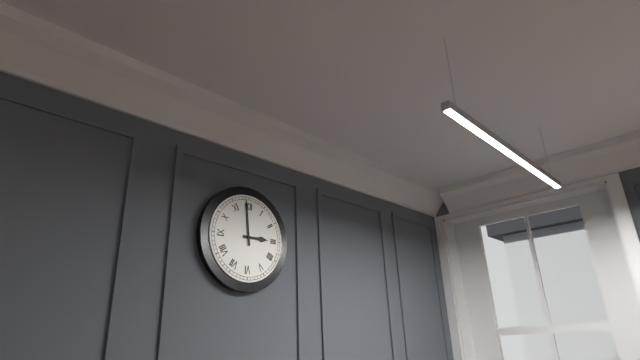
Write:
2,59
